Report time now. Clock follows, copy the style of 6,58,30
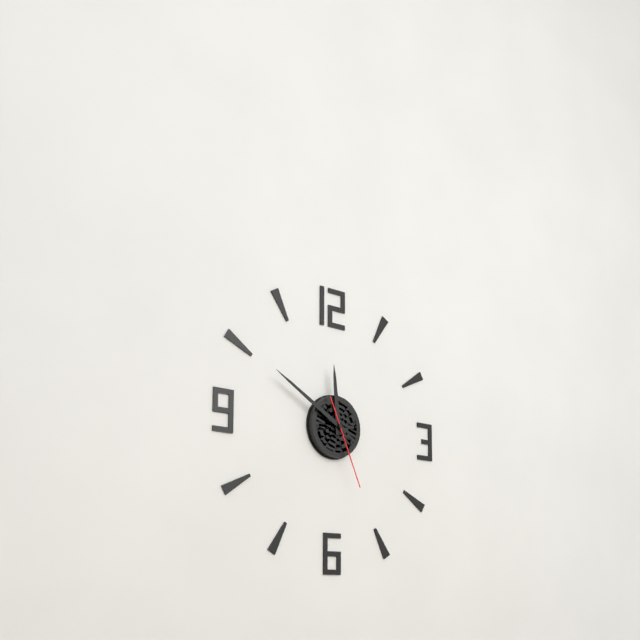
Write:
11,50,26
